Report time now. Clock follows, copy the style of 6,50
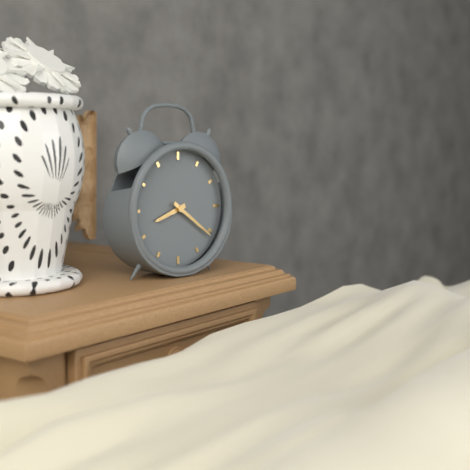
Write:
8,21
